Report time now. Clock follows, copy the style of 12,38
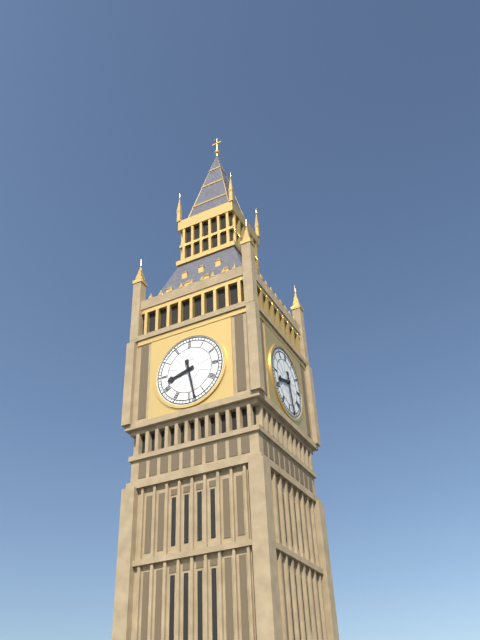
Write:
8,28
